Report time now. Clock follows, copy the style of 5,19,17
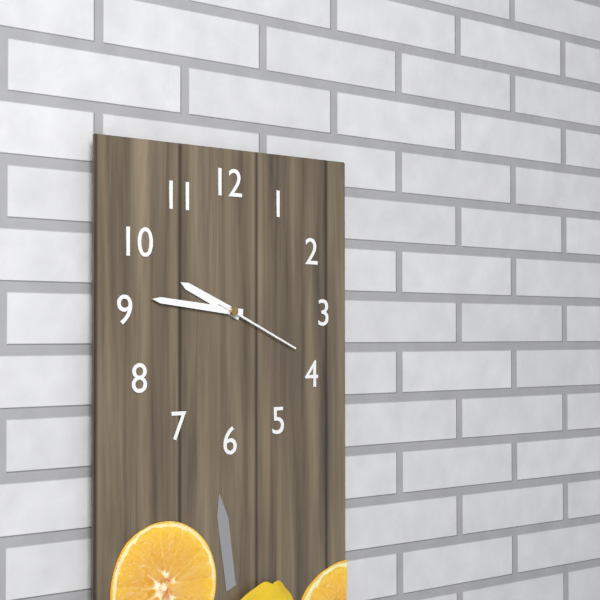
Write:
9,46,19
